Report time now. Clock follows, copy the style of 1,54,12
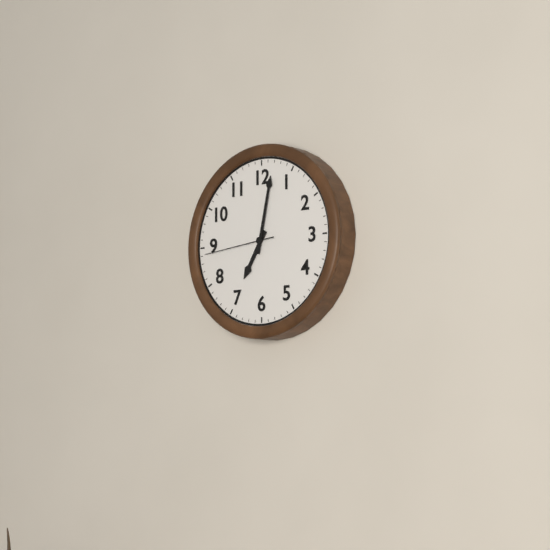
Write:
7,02,44
